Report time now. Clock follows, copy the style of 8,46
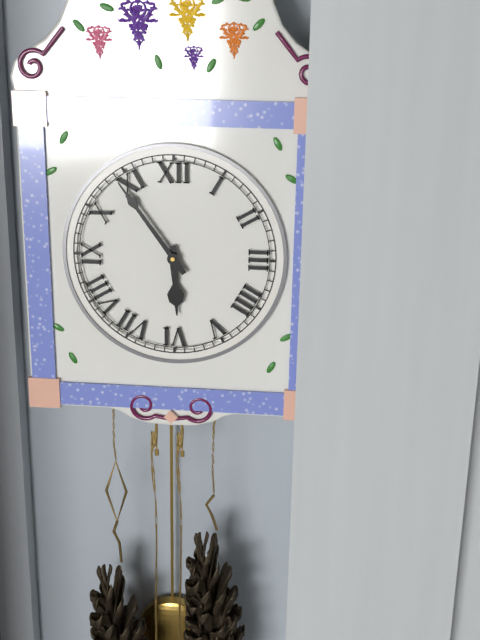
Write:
5,54
